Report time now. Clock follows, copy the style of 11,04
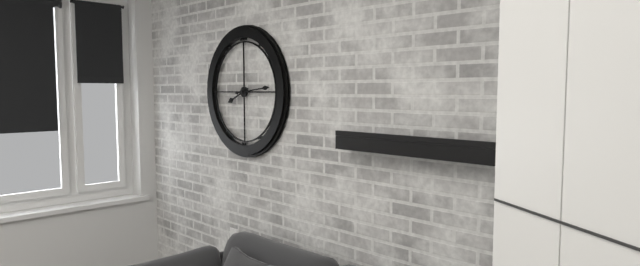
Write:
8,14
